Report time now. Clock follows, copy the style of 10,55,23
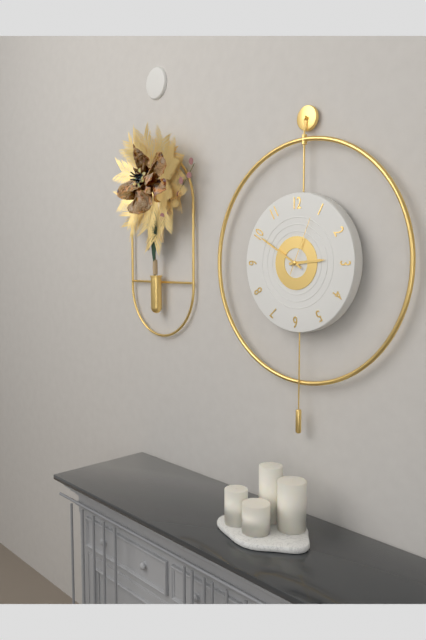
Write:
2,50,04
